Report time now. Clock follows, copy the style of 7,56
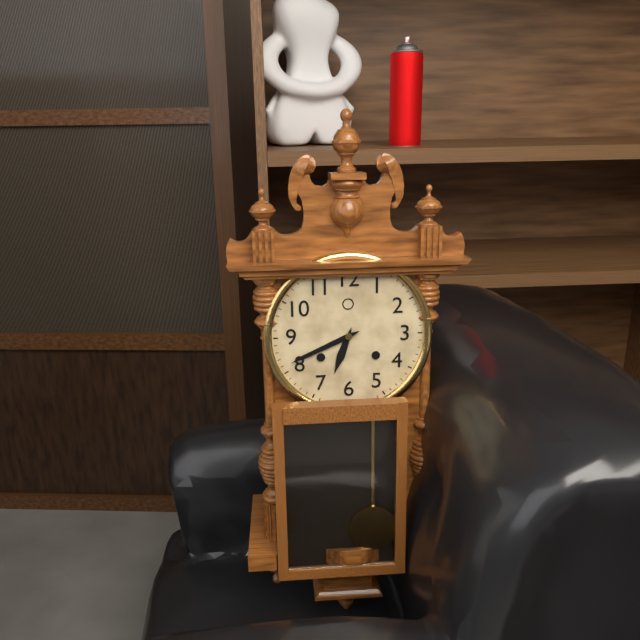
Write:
6,41
